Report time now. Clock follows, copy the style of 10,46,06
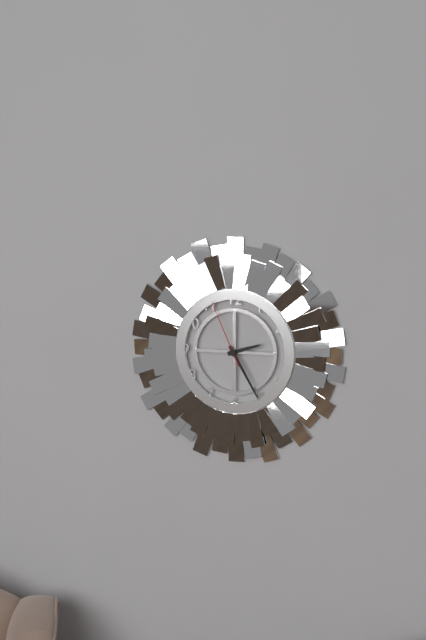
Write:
2,25,56
